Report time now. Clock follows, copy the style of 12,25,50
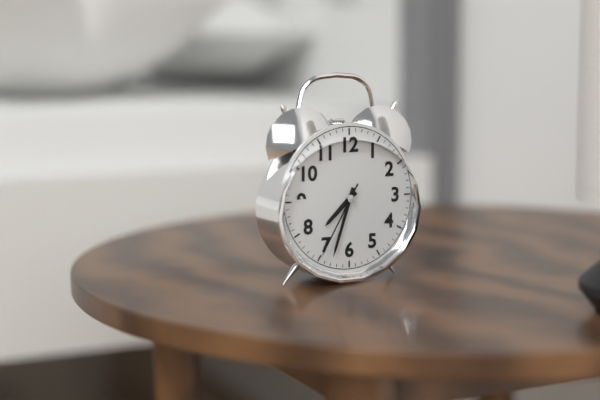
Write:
7,33,35
